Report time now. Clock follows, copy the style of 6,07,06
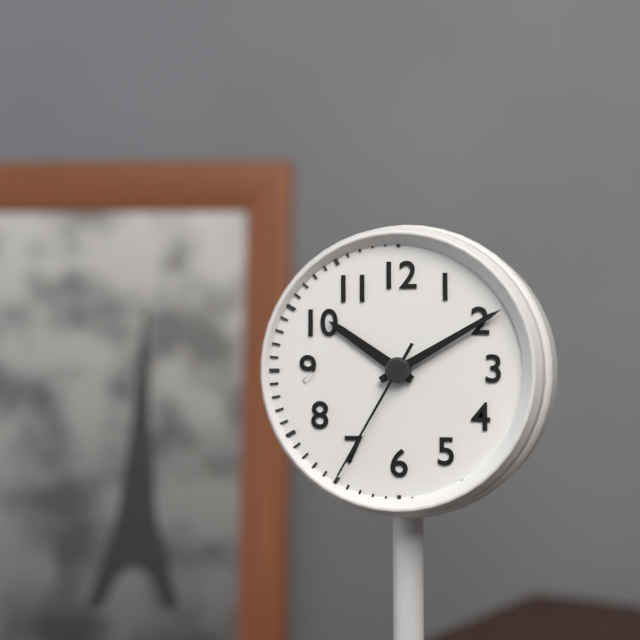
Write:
10,10,35
